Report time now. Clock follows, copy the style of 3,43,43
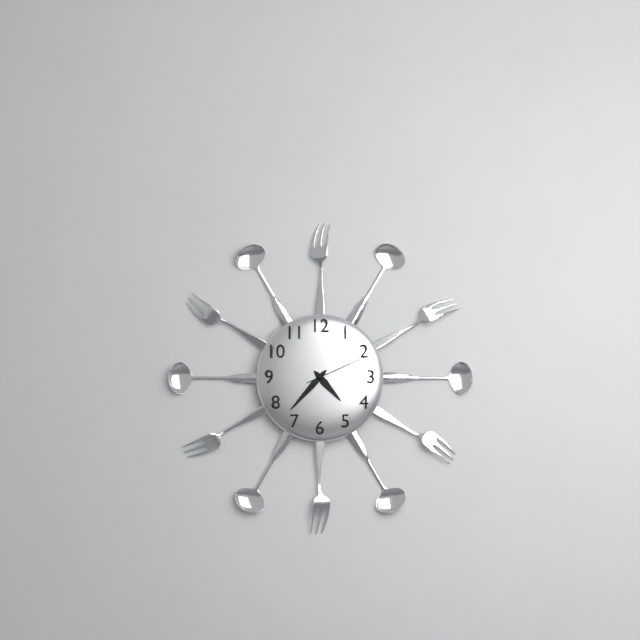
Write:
4,37,11
